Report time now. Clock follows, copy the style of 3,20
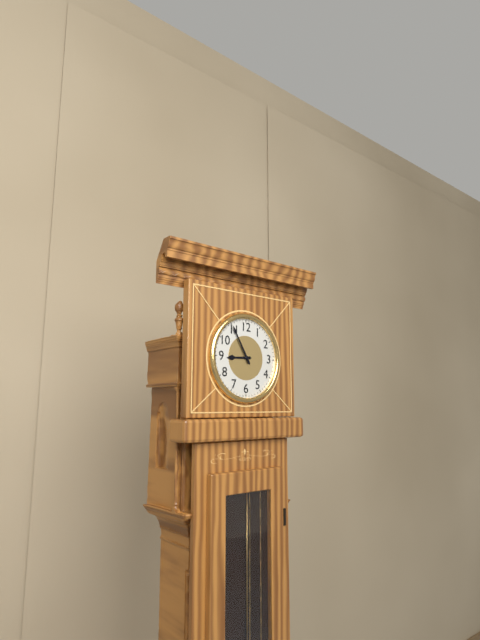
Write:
8,55
